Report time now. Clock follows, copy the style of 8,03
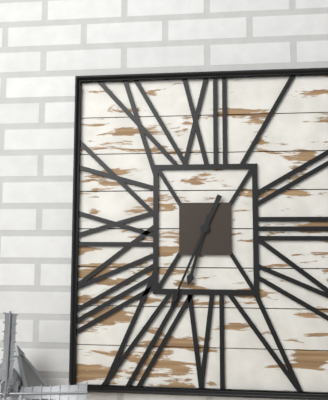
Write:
6,34
